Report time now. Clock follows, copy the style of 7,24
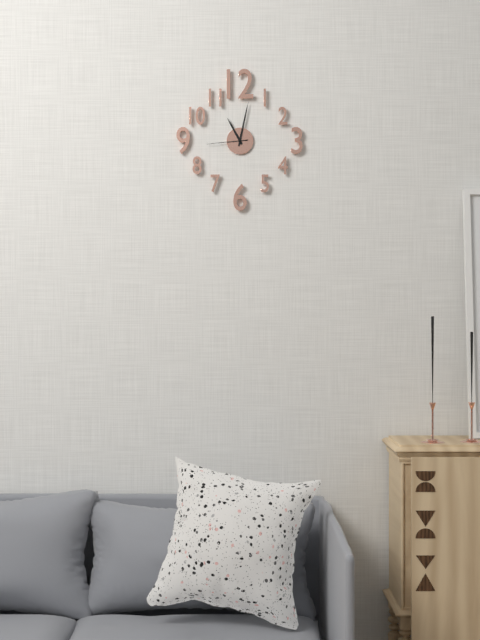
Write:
11,02
